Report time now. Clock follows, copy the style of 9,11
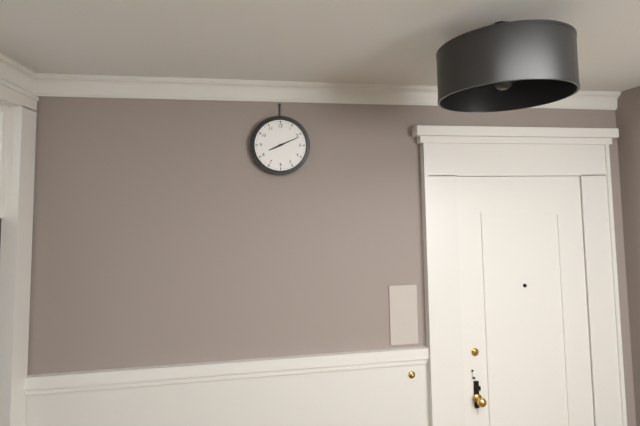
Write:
8,11
